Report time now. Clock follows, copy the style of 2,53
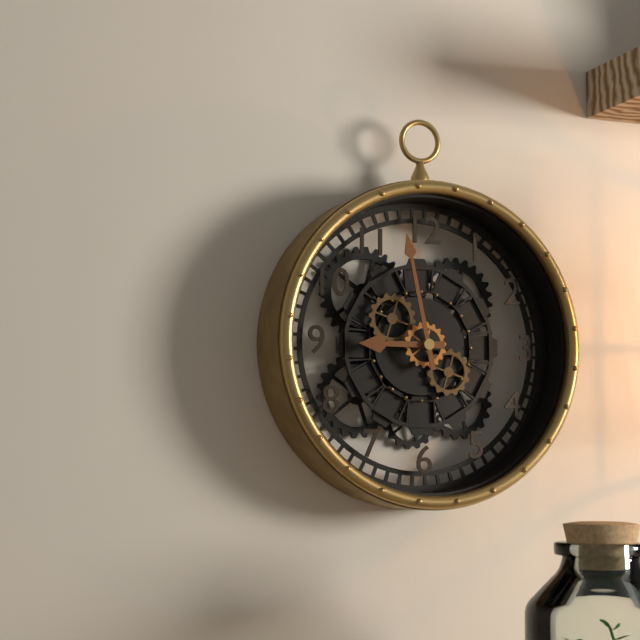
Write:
8,58
